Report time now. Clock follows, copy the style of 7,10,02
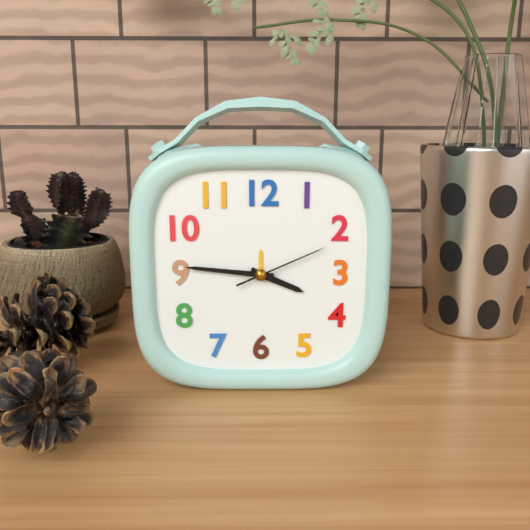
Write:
3,46,11
